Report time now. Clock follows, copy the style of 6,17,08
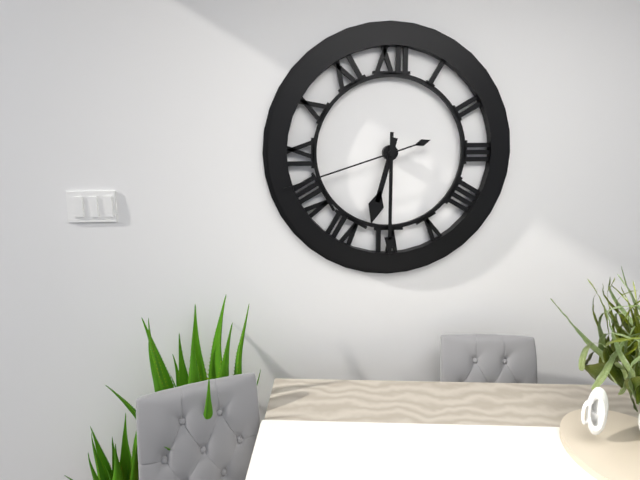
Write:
6,30,42
